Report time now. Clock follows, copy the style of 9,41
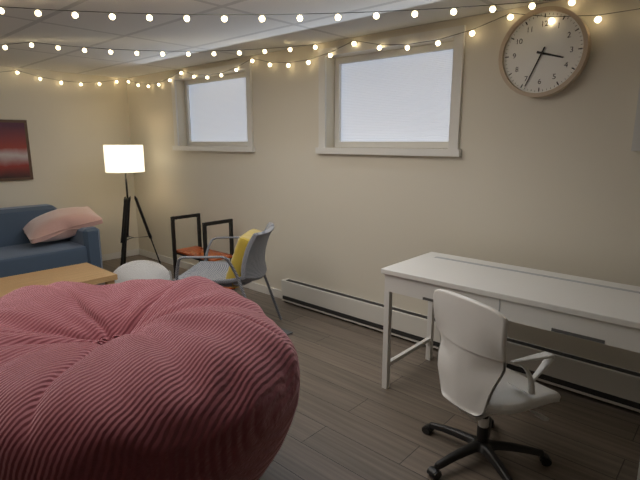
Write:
3,34
